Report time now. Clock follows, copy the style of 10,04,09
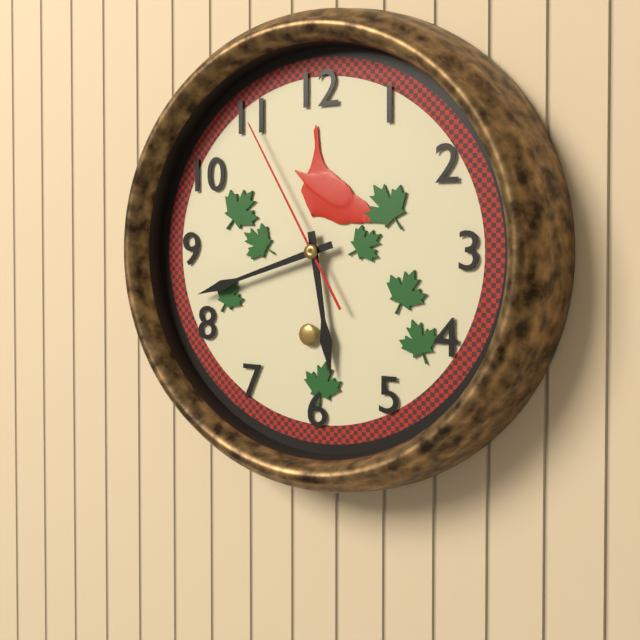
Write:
5,42,55
